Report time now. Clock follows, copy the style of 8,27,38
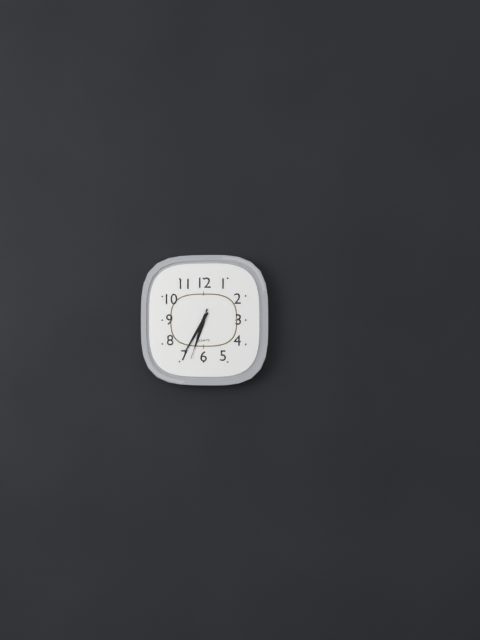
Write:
6,35,33
